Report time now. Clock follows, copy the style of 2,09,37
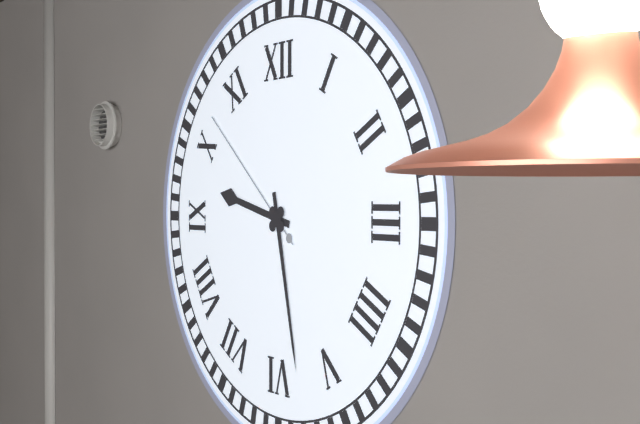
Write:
9,28,52
